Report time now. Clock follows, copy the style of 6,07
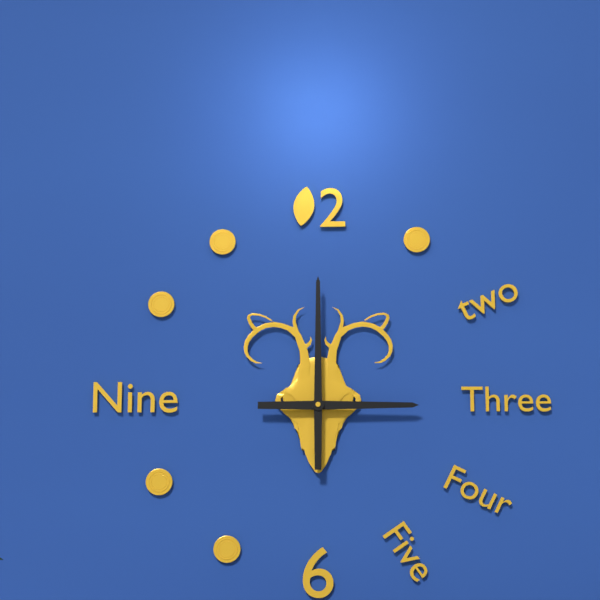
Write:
3,00
